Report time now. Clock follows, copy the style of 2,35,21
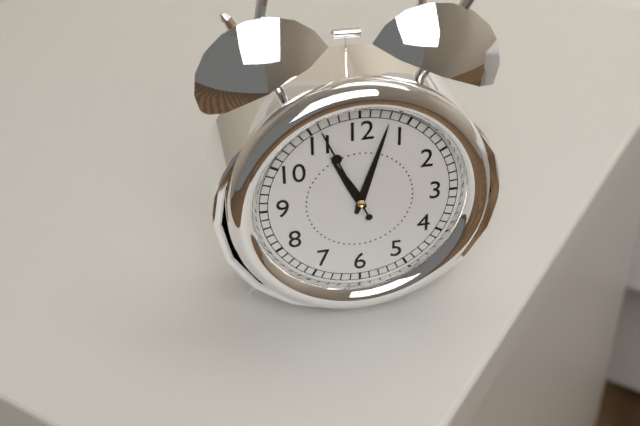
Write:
11,03,56
